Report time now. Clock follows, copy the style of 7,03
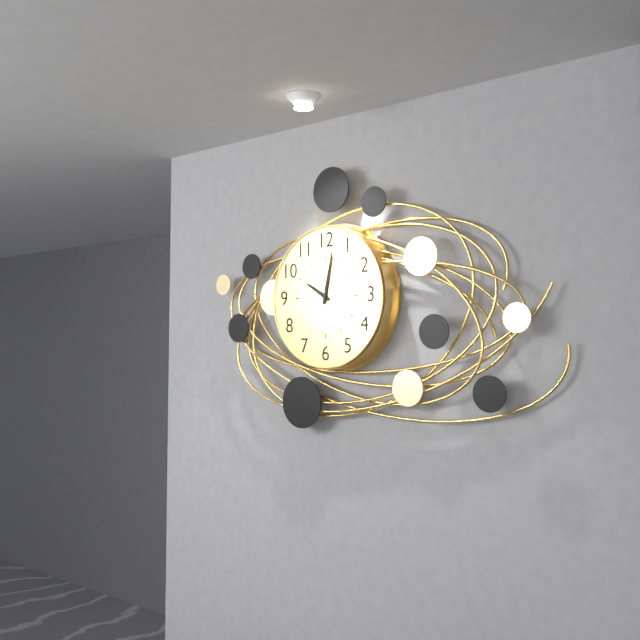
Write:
10,02
